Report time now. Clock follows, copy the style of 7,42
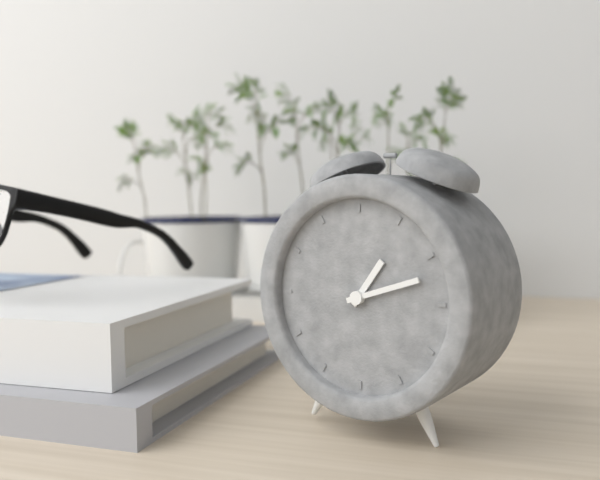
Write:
1,12
